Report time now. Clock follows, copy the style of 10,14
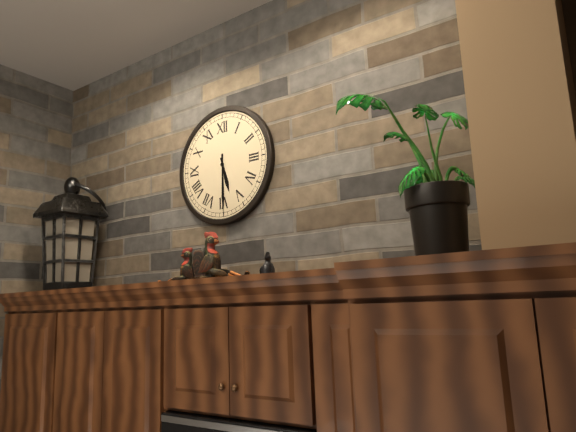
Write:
5,30
